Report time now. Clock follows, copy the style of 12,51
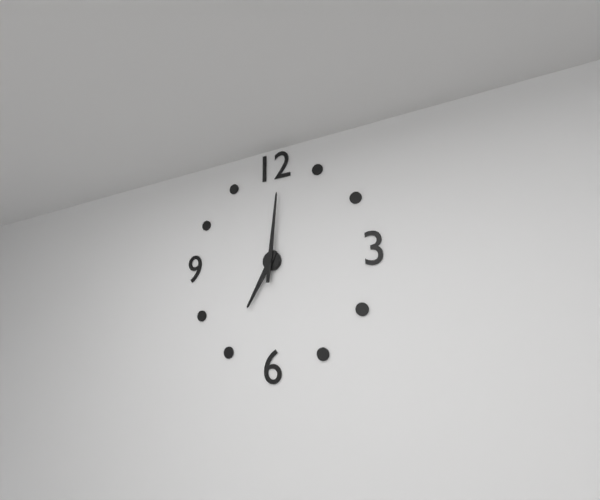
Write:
7,01
